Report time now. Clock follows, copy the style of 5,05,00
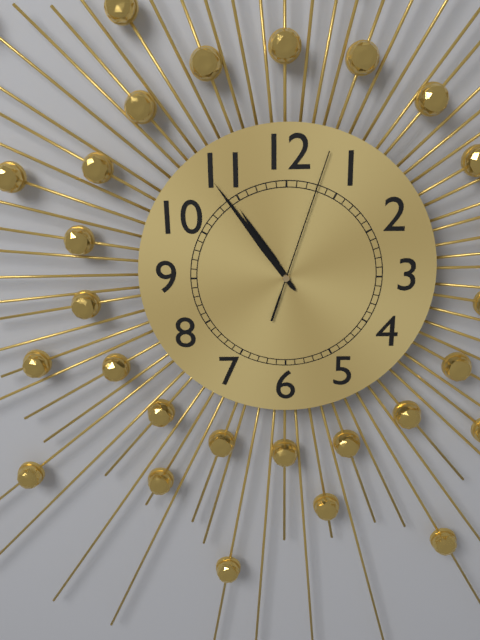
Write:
10,54,03
